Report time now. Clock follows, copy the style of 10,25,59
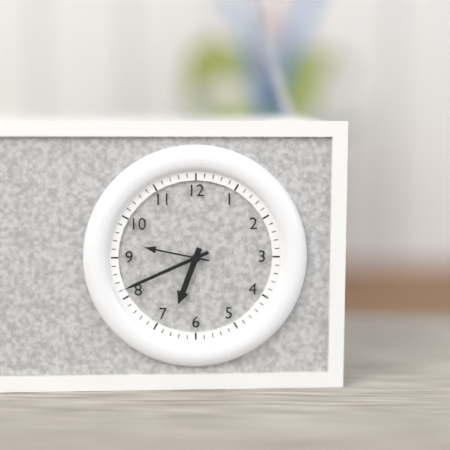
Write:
6,41,47
